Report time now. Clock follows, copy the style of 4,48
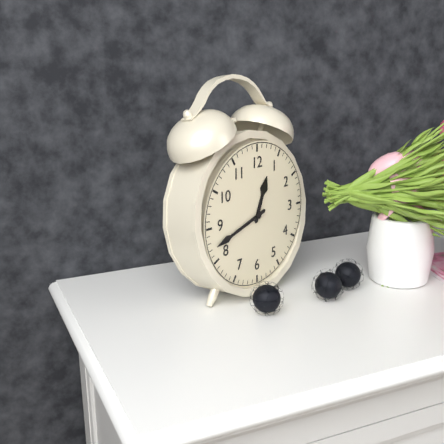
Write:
12,42
